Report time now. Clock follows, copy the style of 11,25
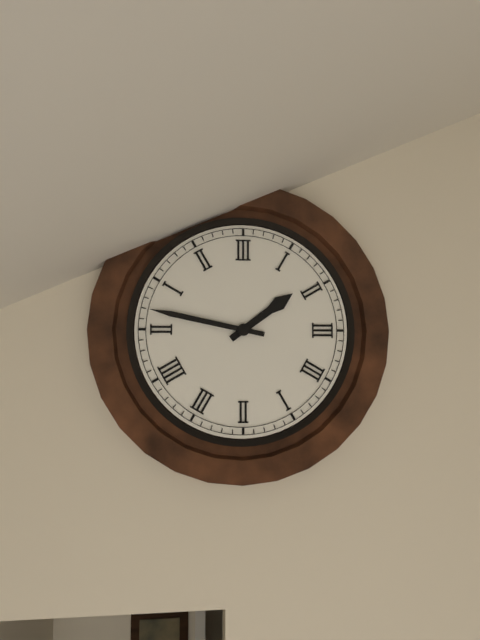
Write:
1,47
